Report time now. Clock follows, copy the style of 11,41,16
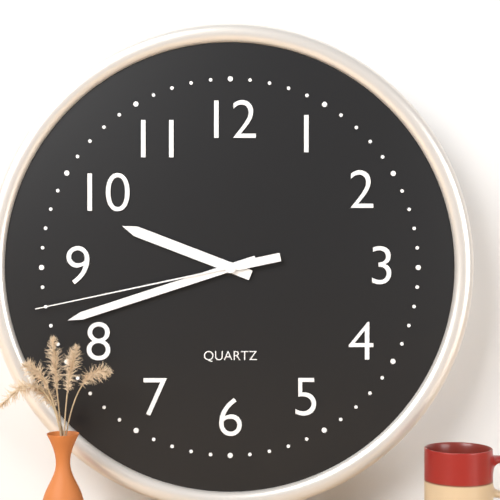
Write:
9,42,43
